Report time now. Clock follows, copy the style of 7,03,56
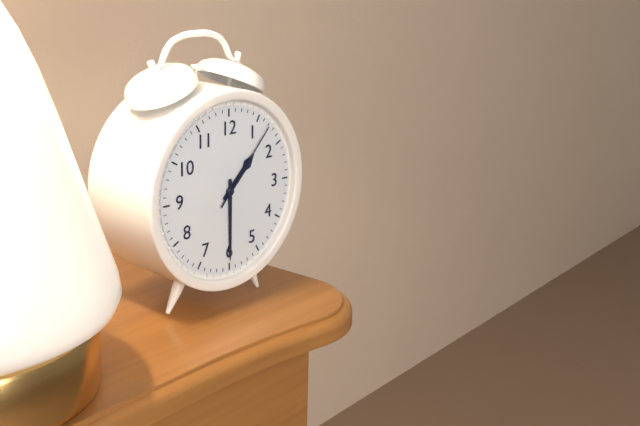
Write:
1,30,07
